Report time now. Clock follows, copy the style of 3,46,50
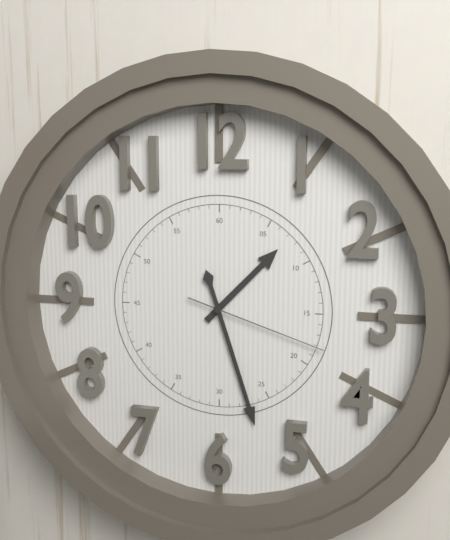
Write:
1,27,18
